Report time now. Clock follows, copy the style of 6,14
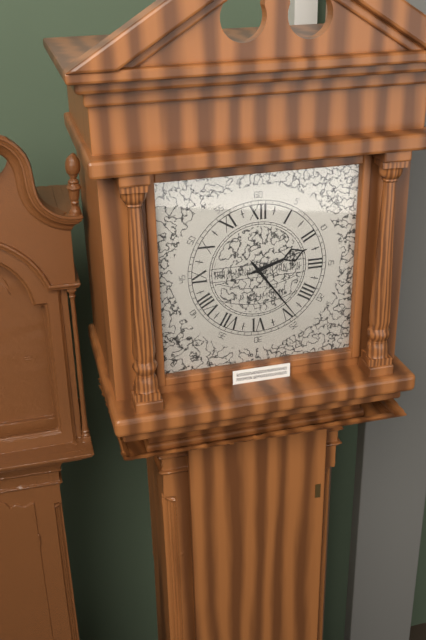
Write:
2,24
